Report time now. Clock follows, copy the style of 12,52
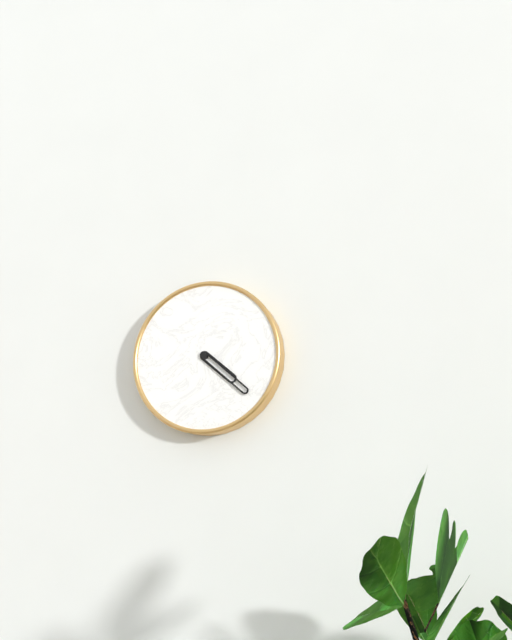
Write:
4,22
